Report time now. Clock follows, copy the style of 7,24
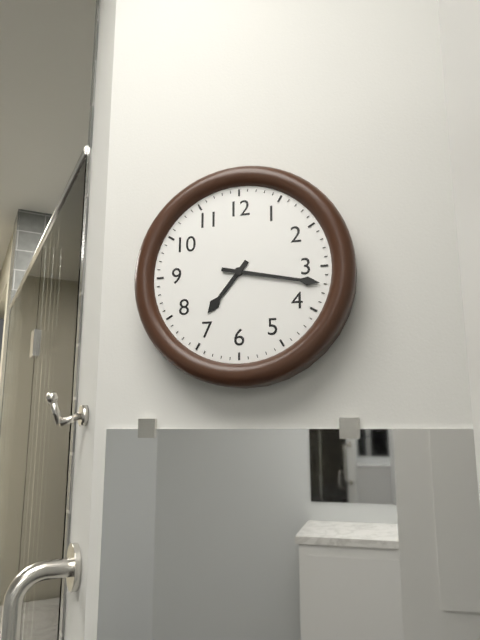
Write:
7,17
